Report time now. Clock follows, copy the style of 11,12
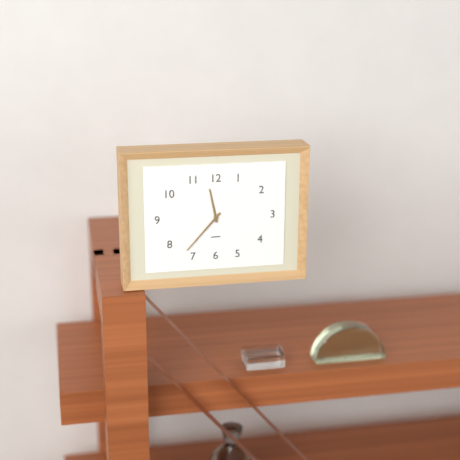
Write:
11,37
